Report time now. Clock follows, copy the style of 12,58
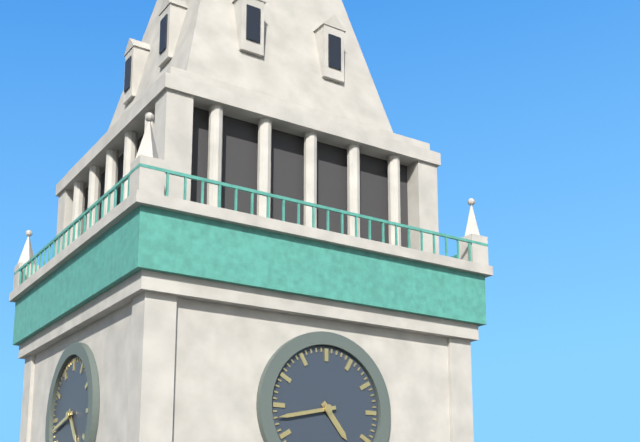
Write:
4,43
